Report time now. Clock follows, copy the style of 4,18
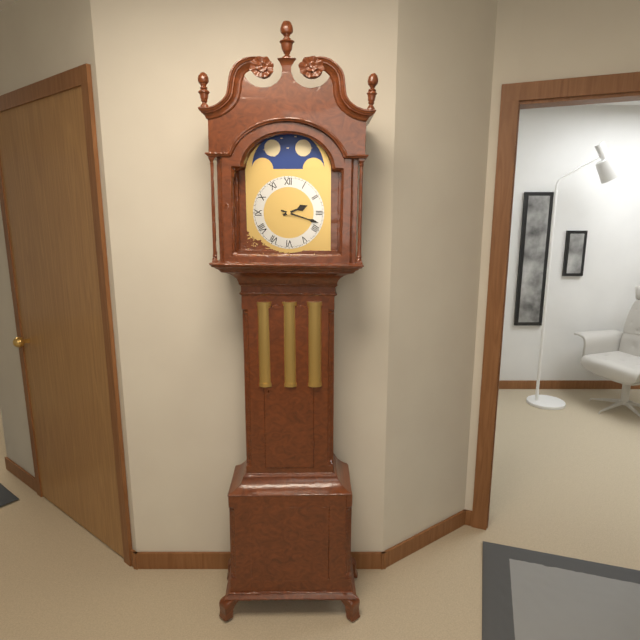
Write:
2,18
